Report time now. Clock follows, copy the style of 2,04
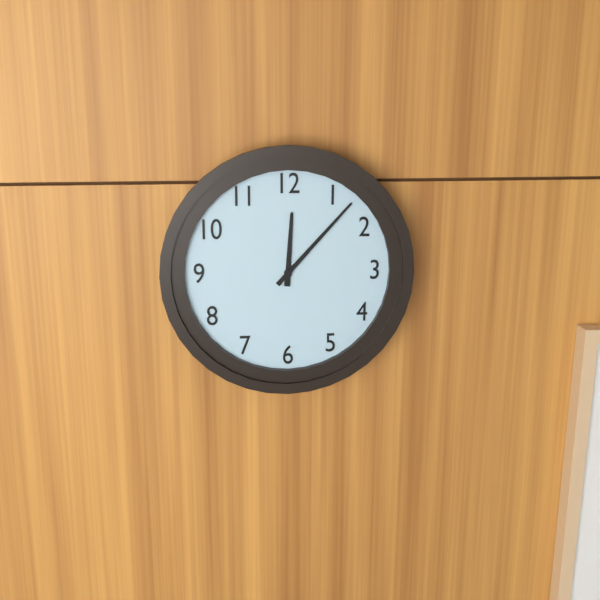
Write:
12,07
